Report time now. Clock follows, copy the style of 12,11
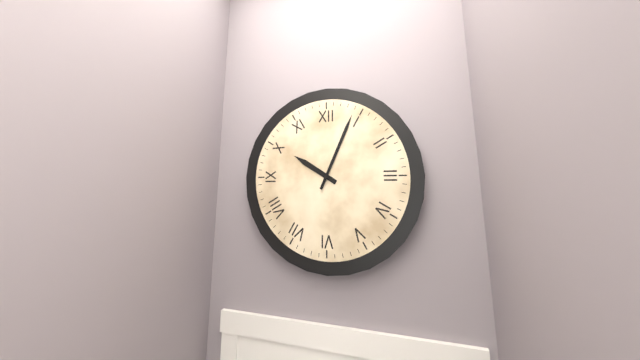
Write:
10,04
